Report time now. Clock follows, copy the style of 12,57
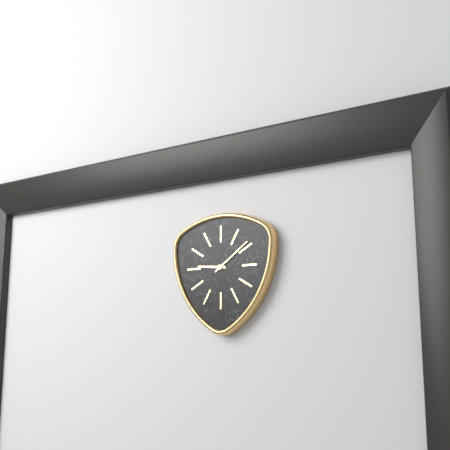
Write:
9,09
